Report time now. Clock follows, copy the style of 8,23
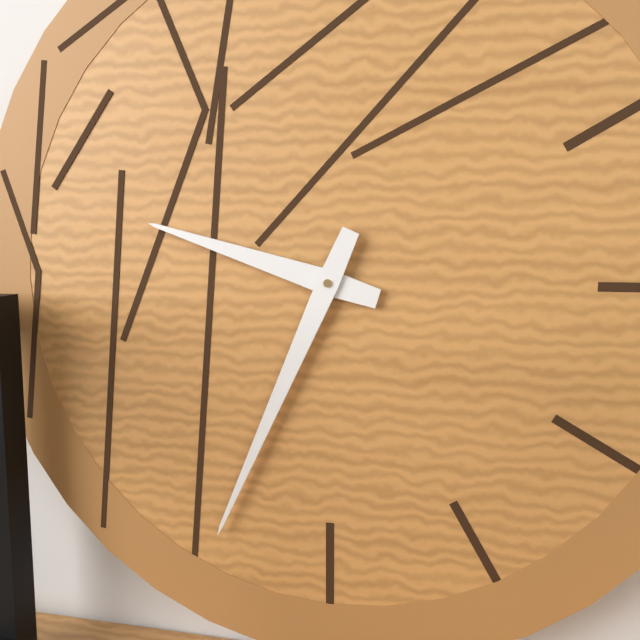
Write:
9,34
